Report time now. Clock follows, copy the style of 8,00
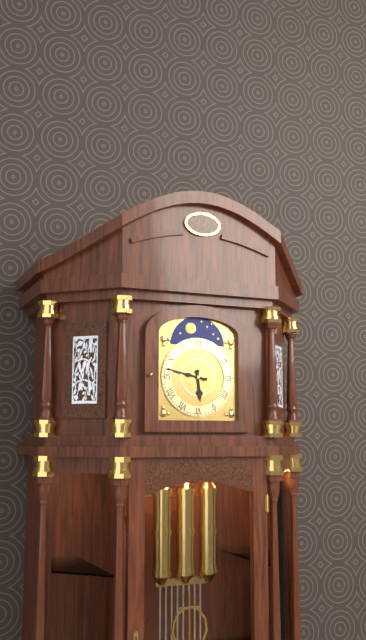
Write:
5,47
